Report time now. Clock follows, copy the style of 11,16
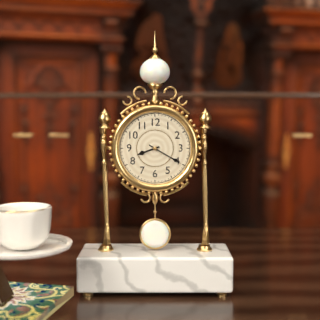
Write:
8,20
